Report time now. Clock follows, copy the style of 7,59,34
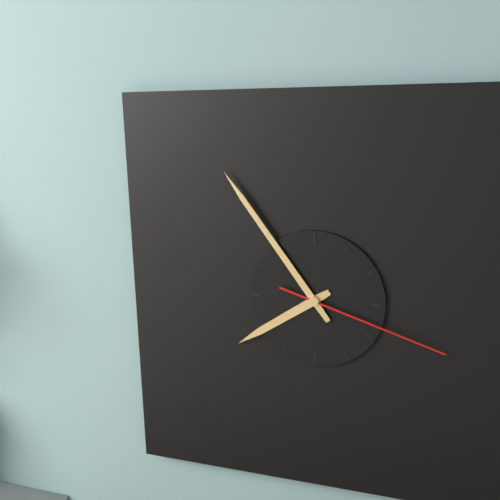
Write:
7,54,18
